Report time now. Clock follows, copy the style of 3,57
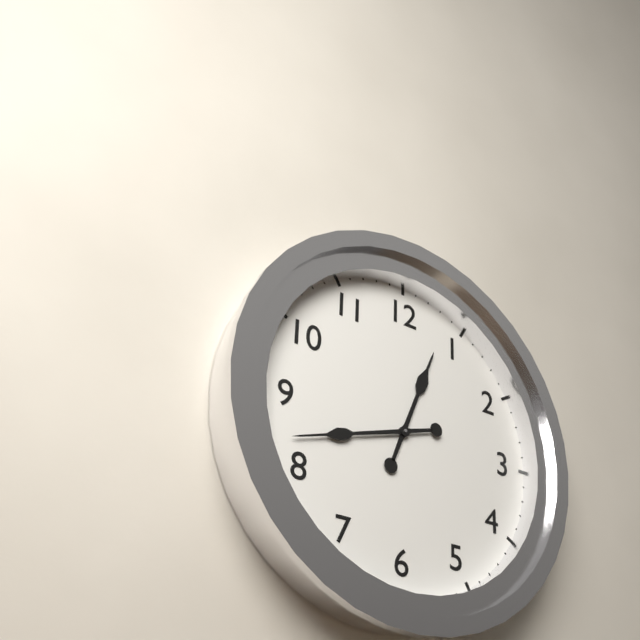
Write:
12,42
